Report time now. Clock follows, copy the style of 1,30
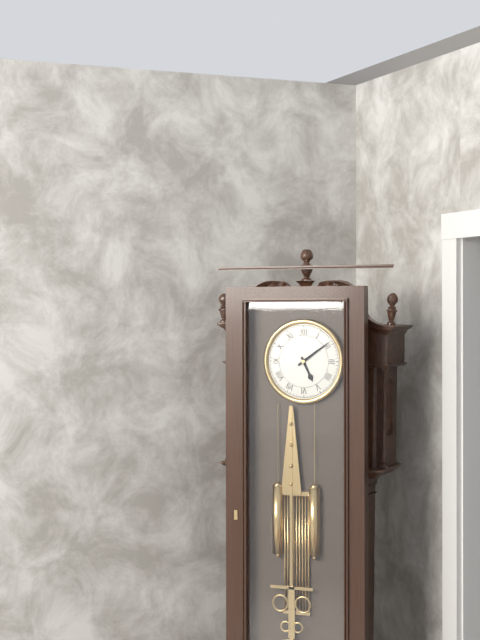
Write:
5,09
